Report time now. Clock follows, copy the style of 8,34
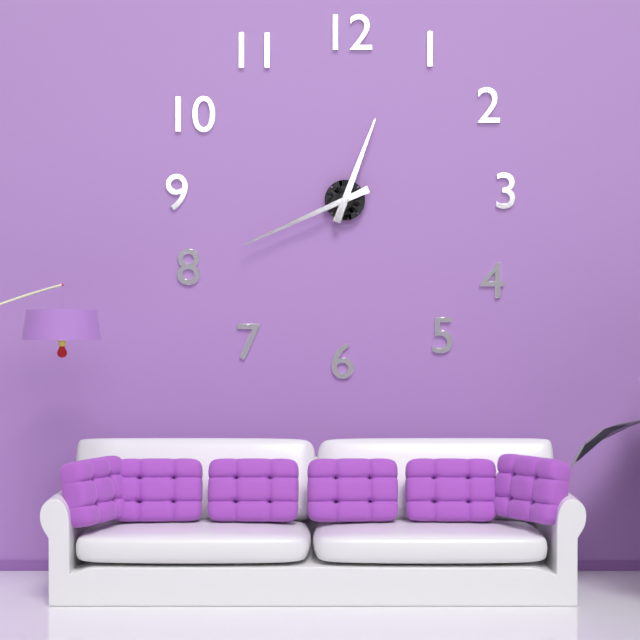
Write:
12,41
